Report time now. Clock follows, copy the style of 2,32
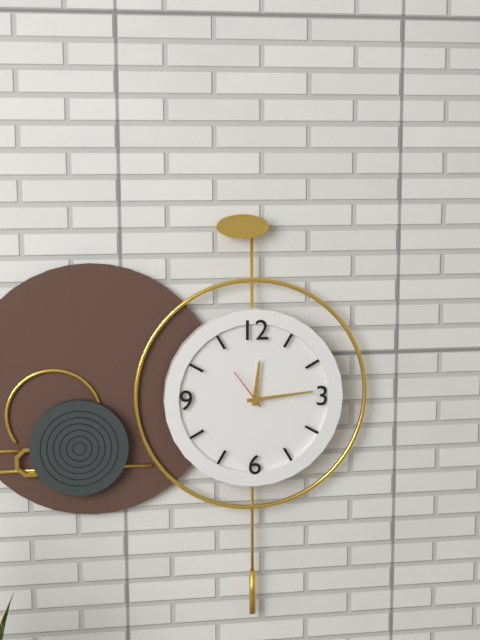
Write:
12,14
